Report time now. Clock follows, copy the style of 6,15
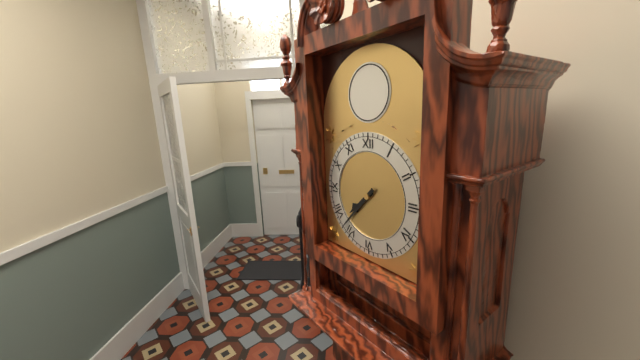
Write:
7,37
